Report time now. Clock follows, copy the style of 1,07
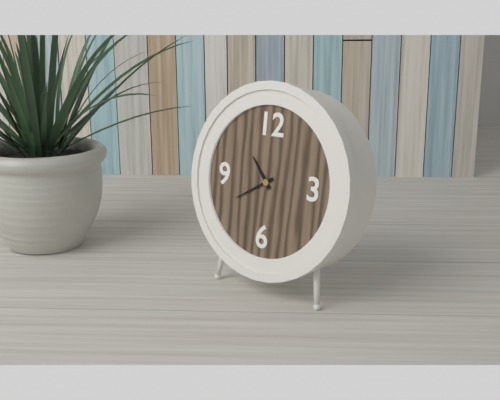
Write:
10,40
